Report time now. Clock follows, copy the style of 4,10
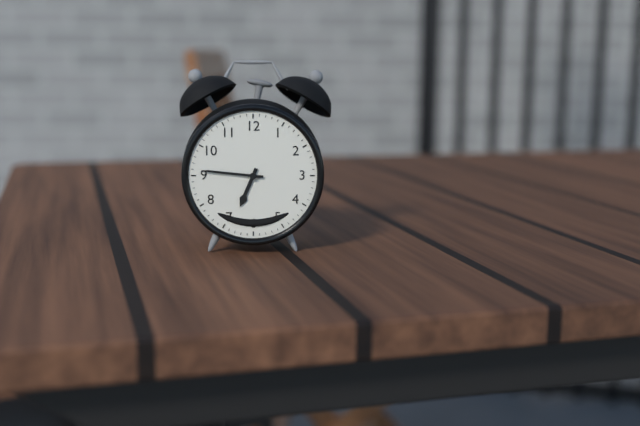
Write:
6,46
